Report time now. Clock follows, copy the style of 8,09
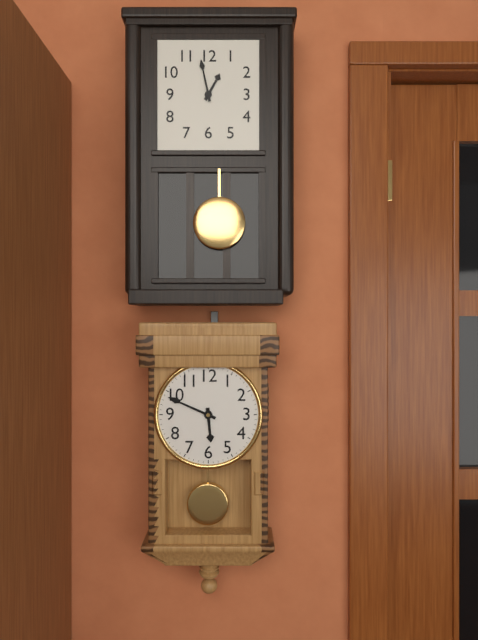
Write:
5,49
